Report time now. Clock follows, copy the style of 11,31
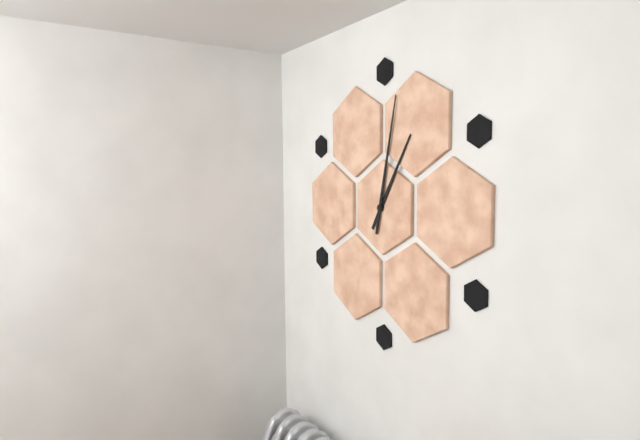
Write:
1,02
